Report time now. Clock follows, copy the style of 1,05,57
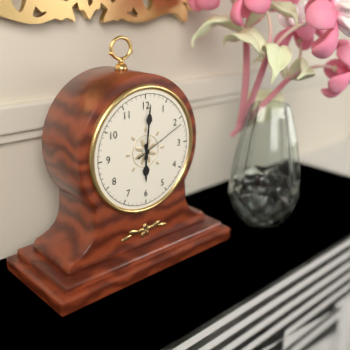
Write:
6,01,11
